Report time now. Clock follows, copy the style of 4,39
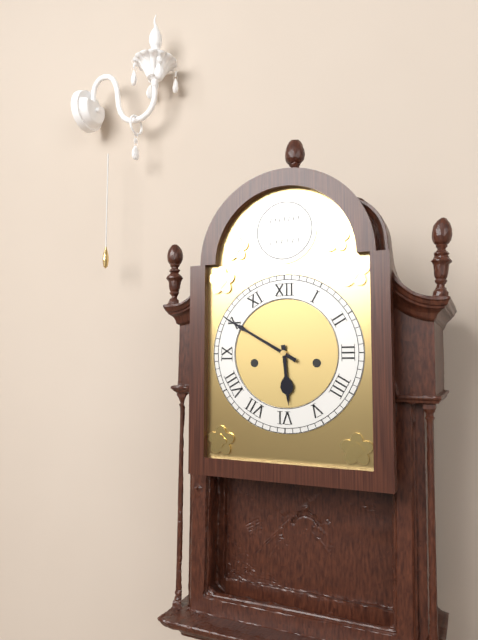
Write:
5,50
